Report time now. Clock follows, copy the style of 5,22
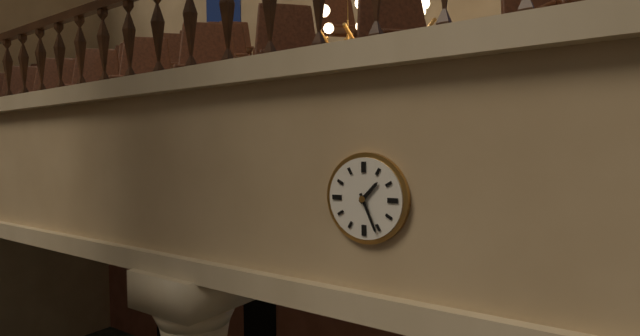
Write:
1,26
